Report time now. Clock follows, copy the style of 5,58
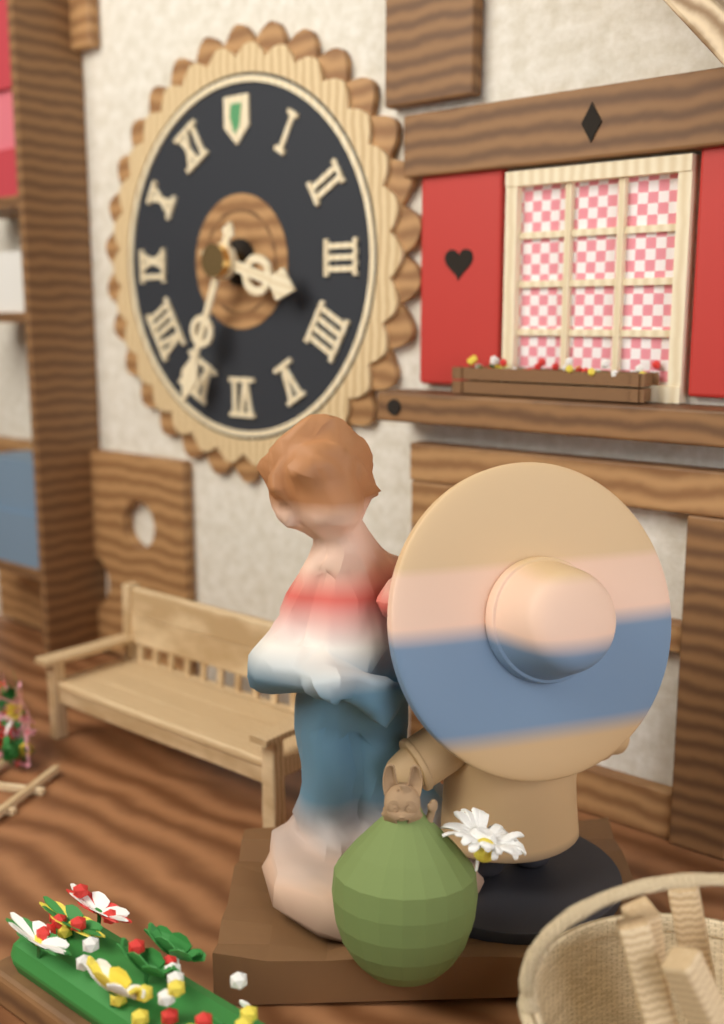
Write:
3,34
